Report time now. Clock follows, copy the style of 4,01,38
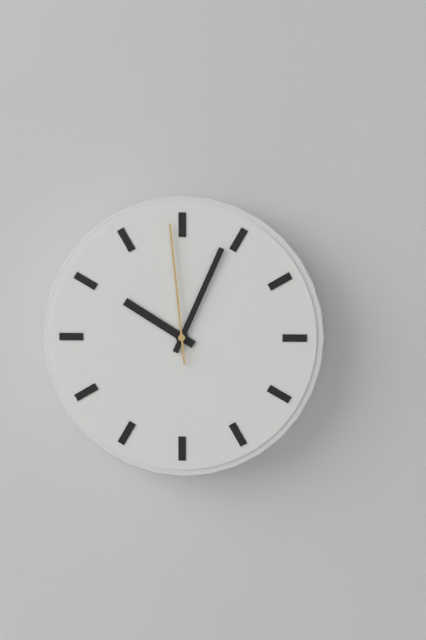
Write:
10,04,59
